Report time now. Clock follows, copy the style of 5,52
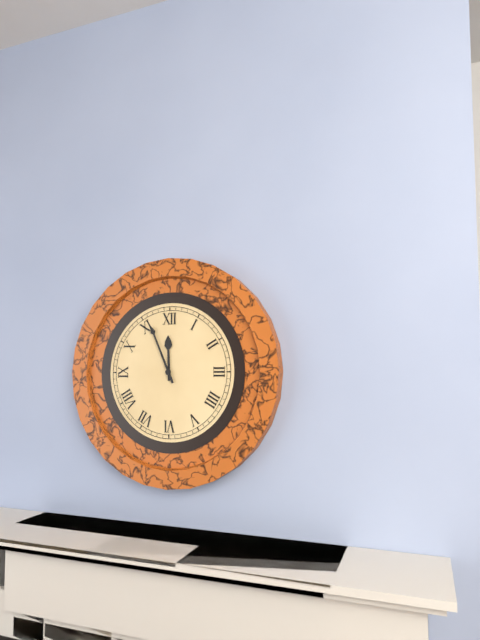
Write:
11,56
